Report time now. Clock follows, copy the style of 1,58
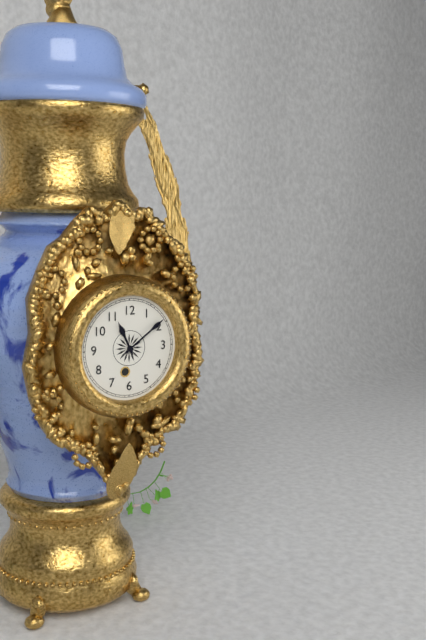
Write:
11,09
